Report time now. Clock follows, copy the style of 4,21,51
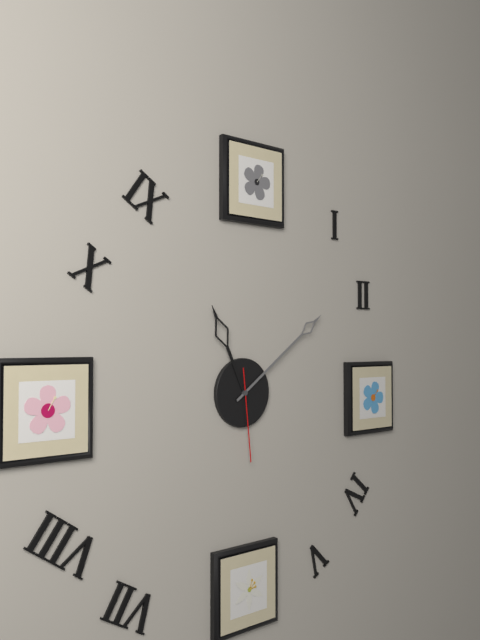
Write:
11,09,29
